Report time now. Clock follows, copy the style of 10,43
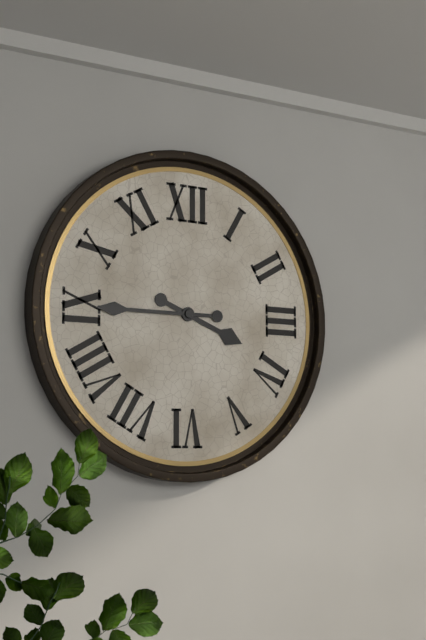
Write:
3,45
